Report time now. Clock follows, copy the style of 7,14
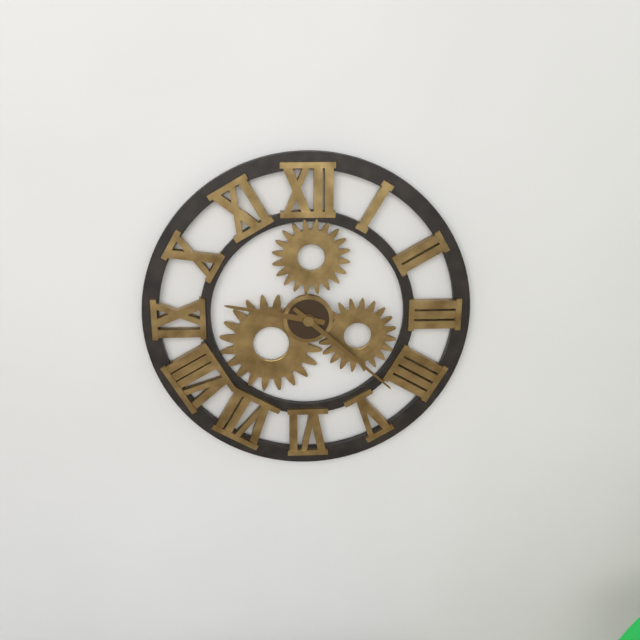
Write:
9,22
